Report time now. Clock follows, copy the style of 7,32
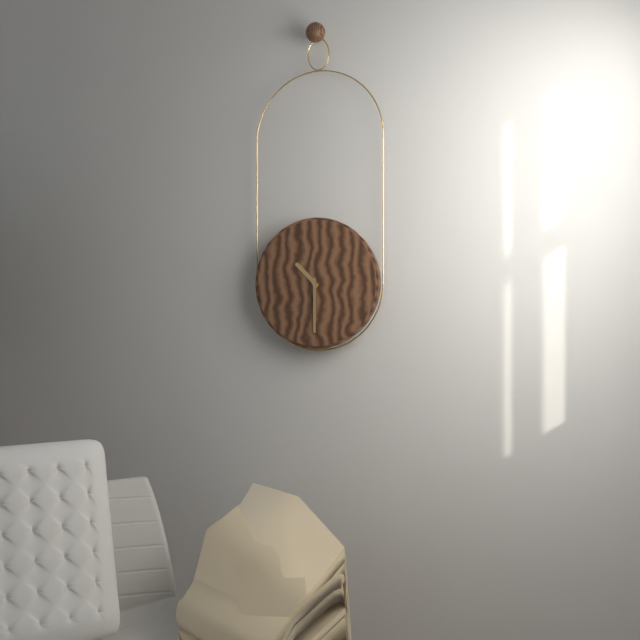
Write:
10,30
